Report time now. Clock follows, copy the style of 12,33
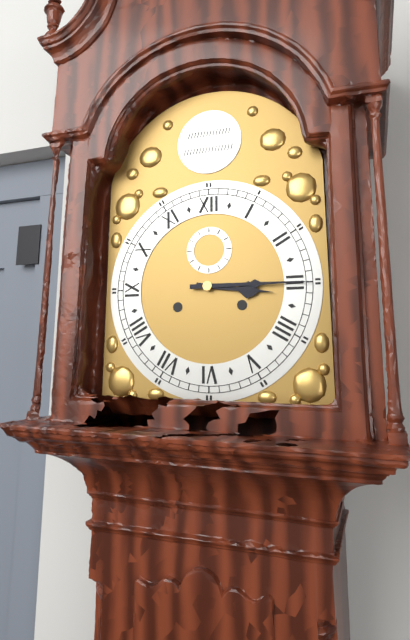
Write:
3,15
